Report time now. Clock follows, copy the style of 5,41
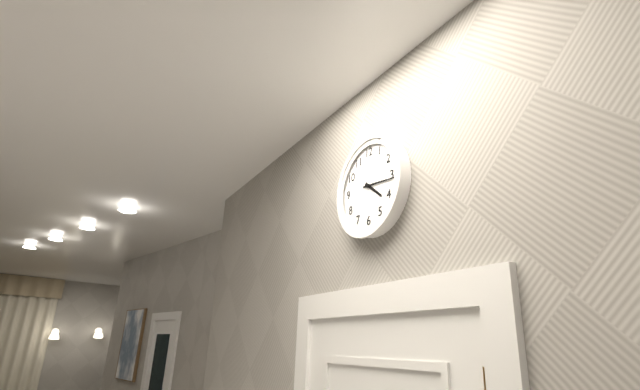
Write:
4,16
